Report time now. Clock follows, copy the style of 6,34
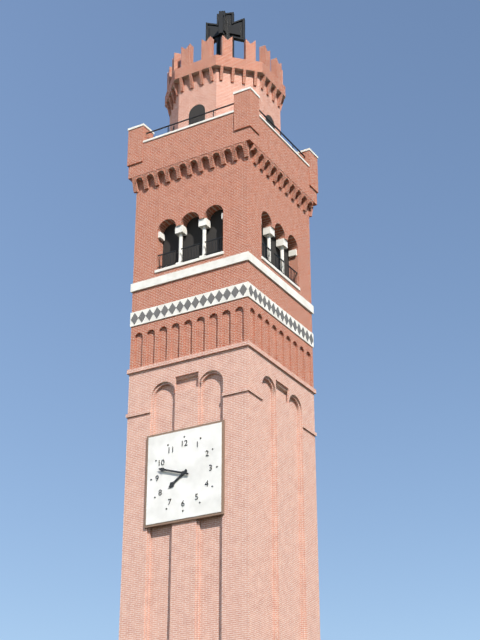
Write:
7,48
